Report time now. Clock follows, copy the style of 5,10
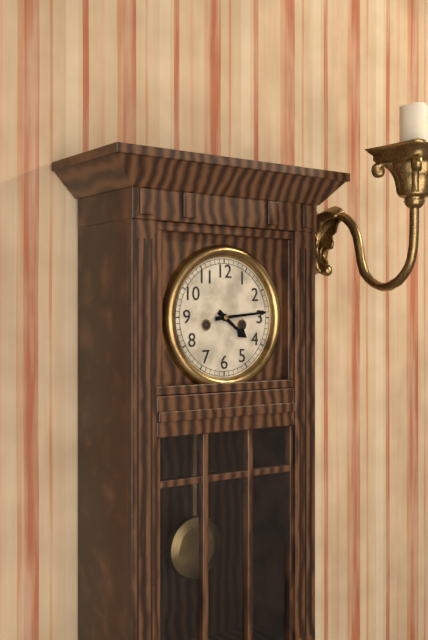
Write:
4,14
